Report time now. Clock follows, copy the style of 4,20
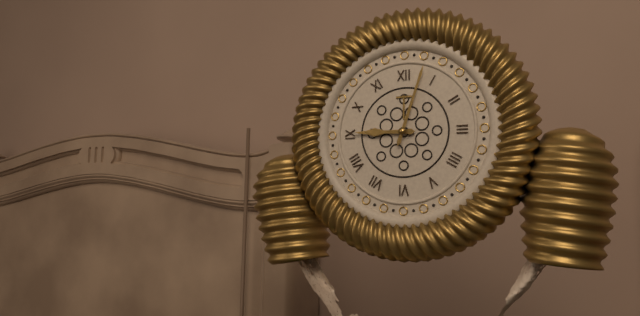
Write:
9,03
